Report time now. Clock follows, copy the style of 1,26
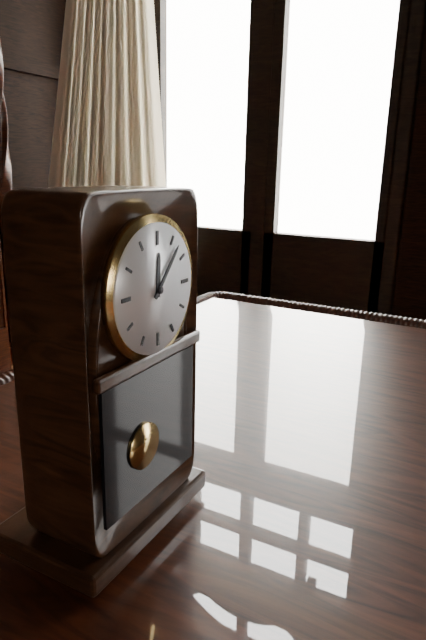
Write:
12,07
